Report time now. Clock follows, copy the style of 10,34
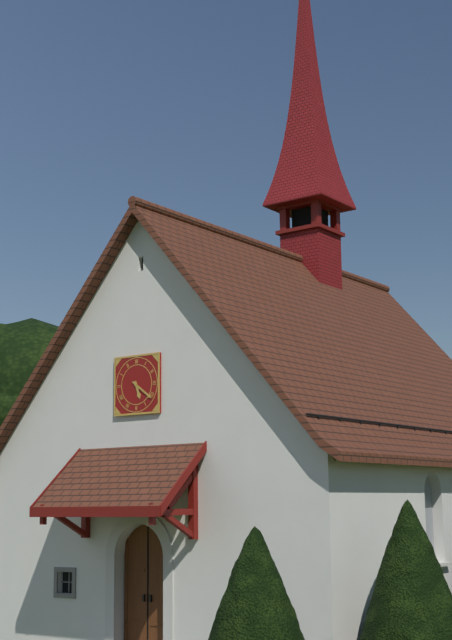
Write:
5,21
